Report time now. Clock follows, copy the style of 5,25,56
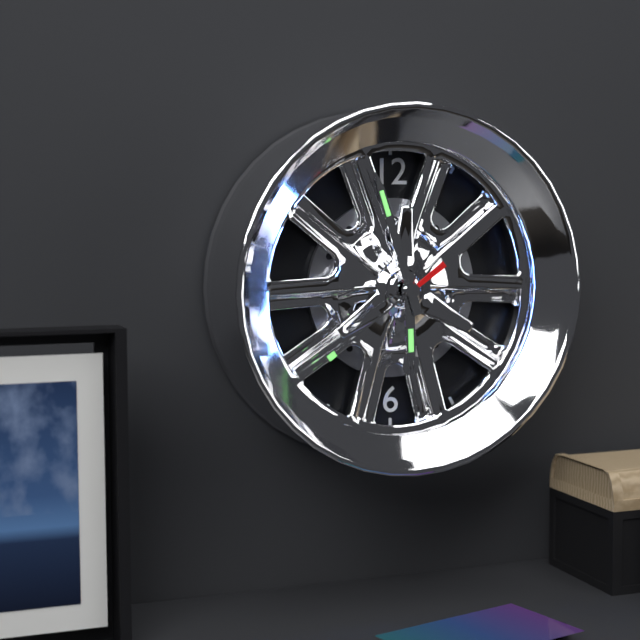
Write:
5,57,39
